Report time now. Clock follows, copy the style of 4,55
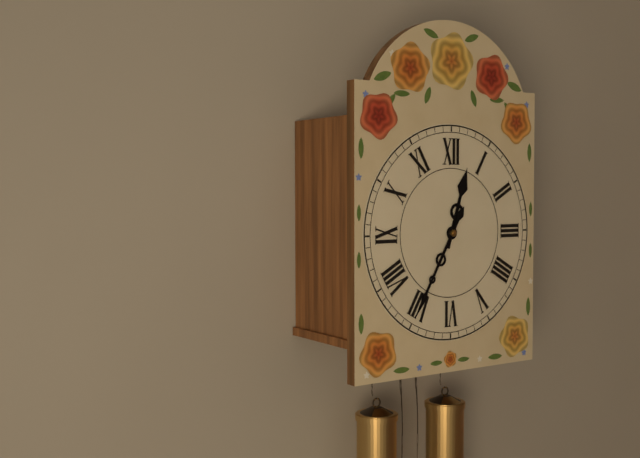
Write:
12,35
